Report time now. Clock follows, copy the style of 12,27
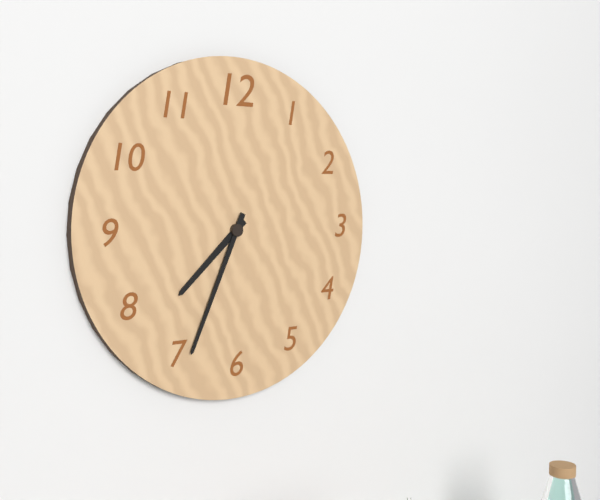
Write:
7,34
